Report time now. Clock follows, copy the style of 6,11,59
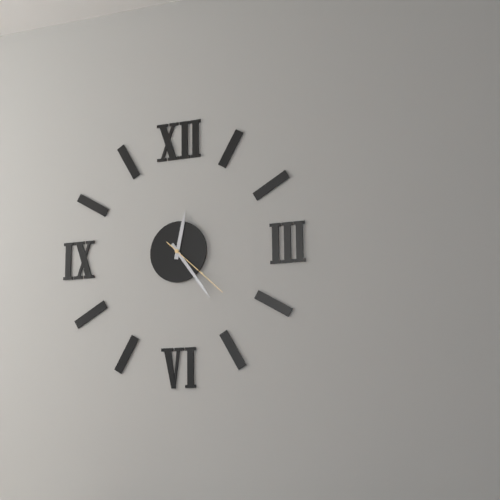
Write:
12,24,22
